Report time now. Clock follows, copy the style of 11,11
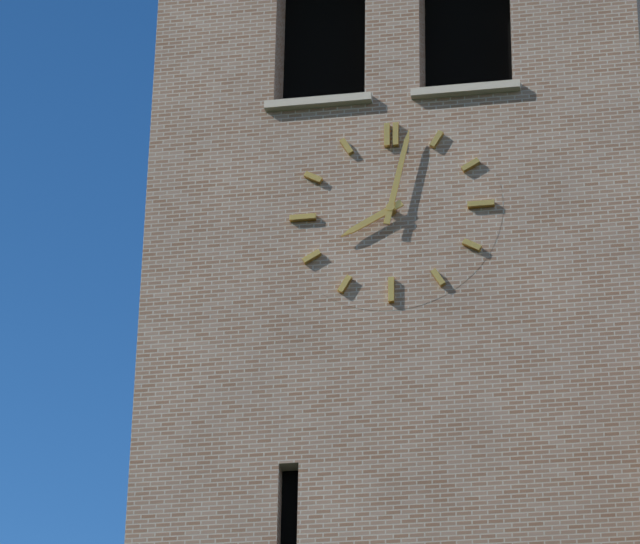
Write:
8,02
